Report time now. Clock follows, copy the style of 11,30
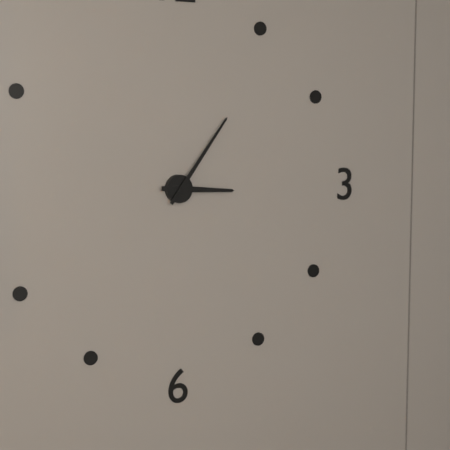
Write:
3,06
